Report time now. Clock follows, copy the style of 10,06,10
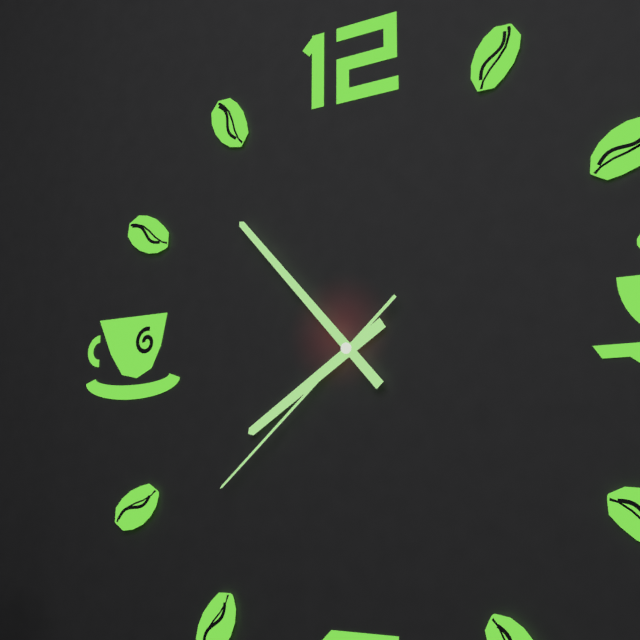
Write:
7,53,38
